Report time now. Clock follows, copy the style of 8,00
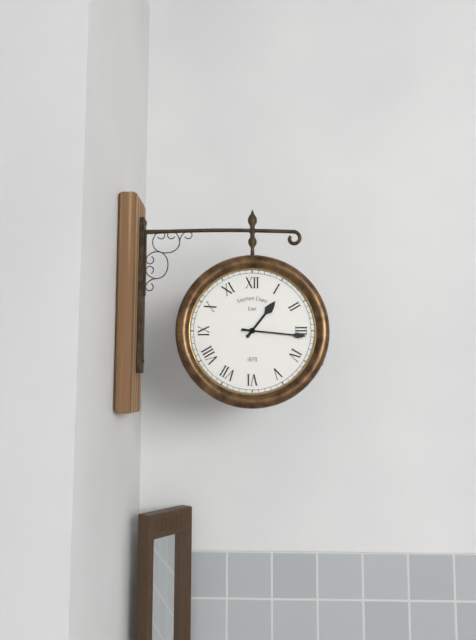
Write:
1,16
